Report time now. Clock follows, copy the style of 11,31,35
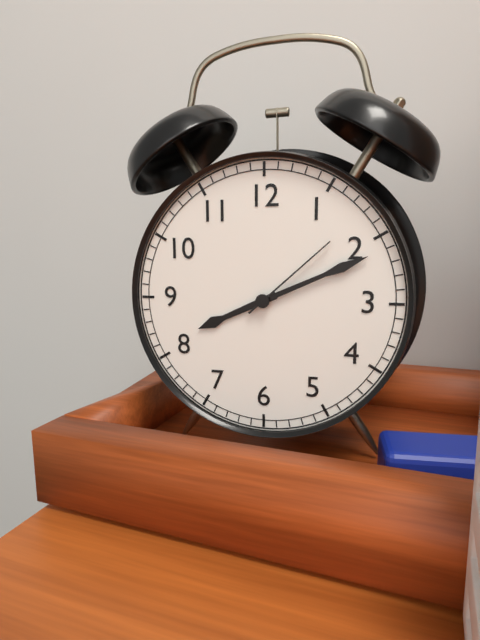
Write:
8,11,08
